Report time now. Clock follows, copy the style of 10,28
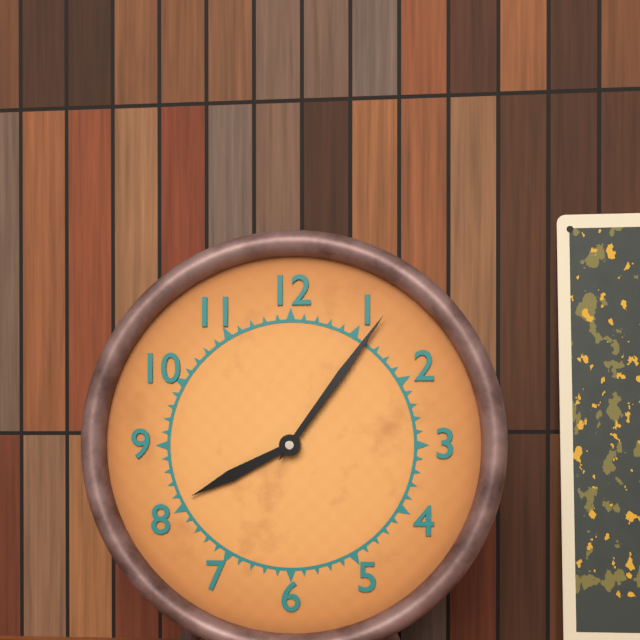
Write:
8,06
